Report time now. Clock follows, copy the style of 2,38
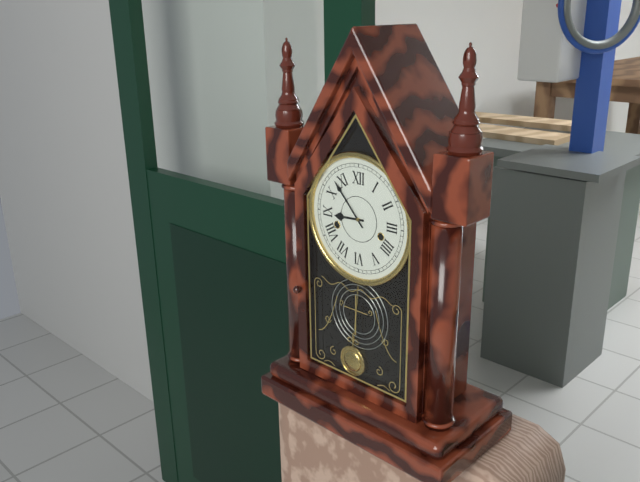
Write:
8,53
